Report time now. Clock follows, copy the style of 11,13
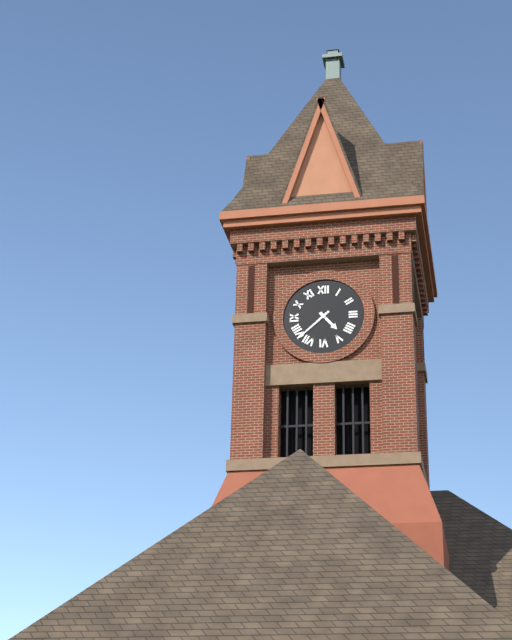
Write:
4,38
